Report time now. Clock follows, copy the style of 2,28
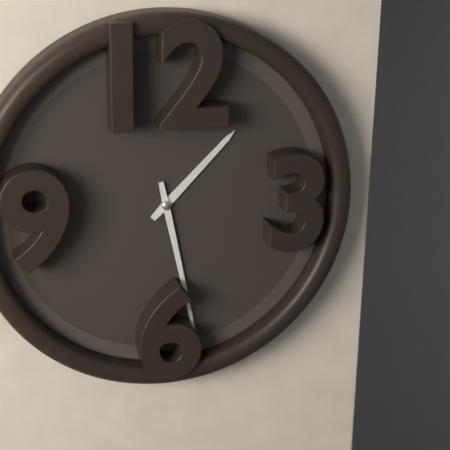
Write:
1,28
